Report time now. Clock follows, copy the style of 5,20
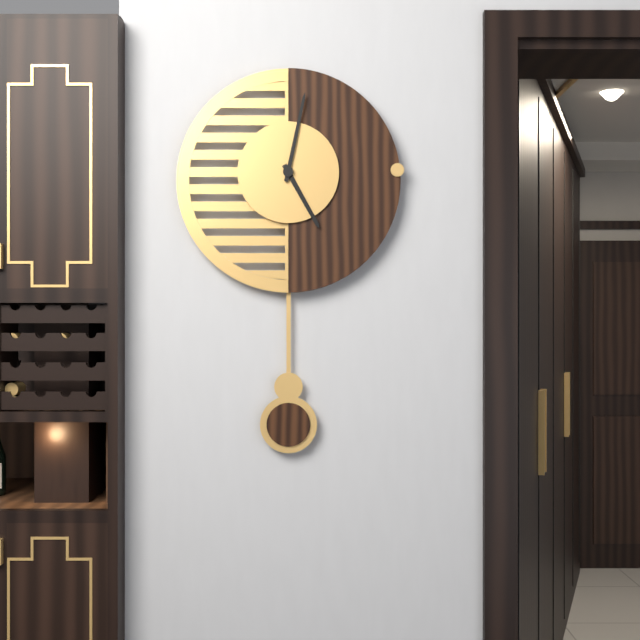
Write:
5,02
